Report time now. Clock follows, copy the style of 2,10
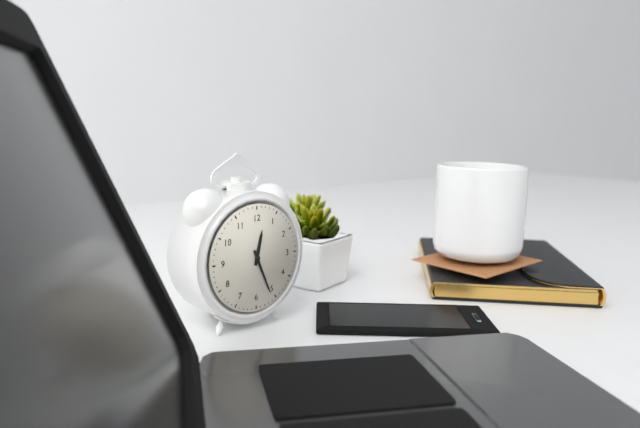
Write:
12,26
